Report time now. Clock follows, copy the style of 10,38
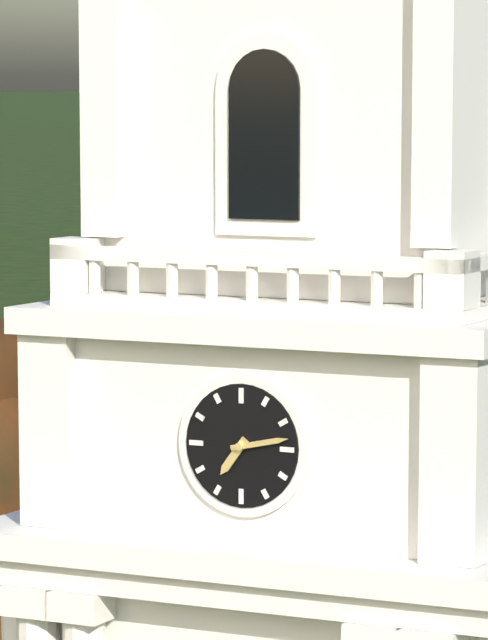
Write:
7,13
